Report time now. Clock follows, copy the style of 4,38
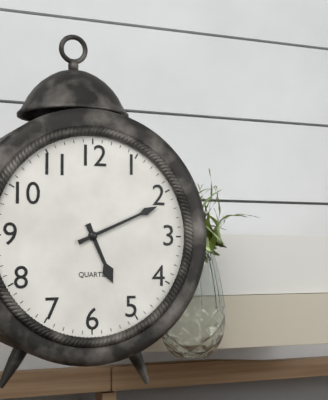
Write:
5,11
